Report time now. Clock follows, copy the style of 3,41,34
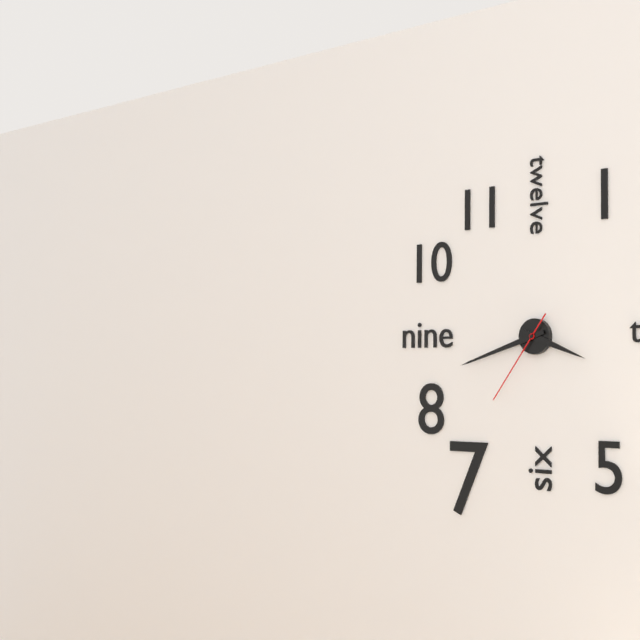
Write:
3,42,36
